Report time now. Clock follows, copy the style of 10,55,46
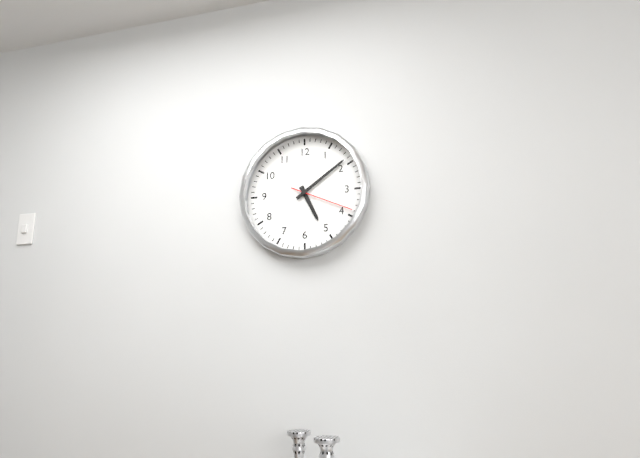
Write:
5,09,19
